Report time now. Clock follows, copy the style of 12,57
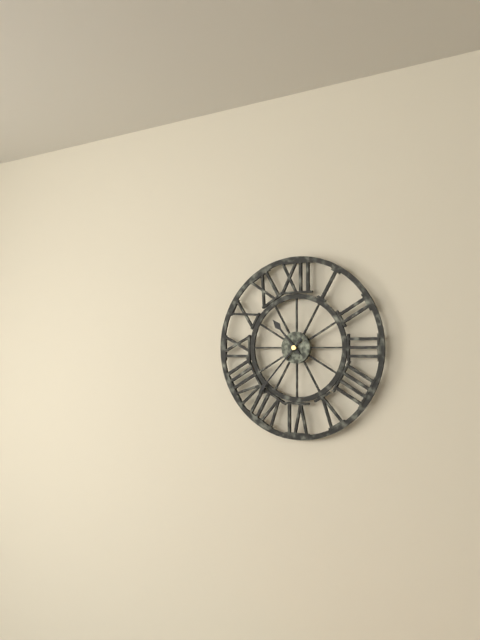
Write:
10,37
